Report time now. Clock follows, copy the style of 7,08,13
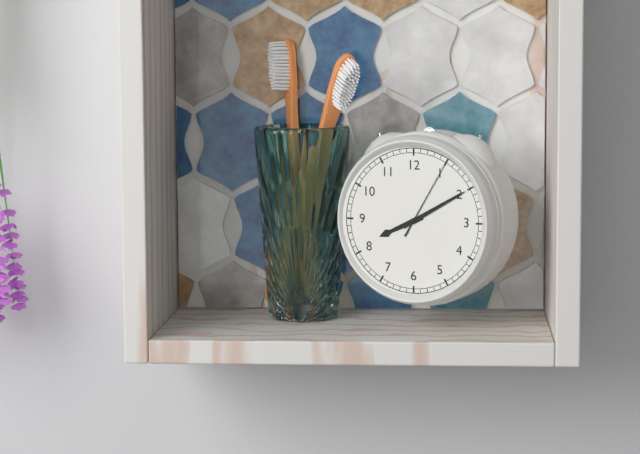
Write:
8,10,05
